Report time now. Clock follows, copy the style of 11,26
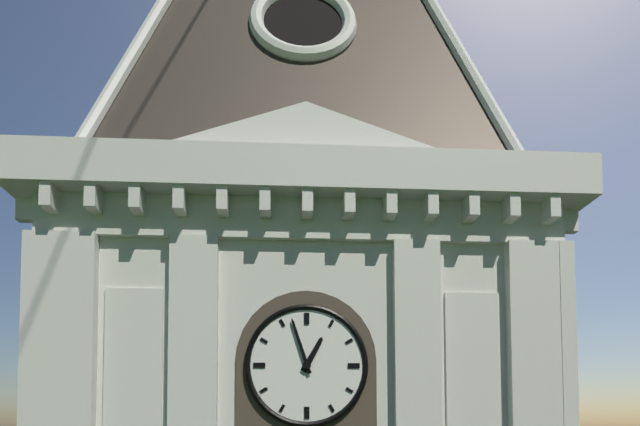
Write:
12,57
